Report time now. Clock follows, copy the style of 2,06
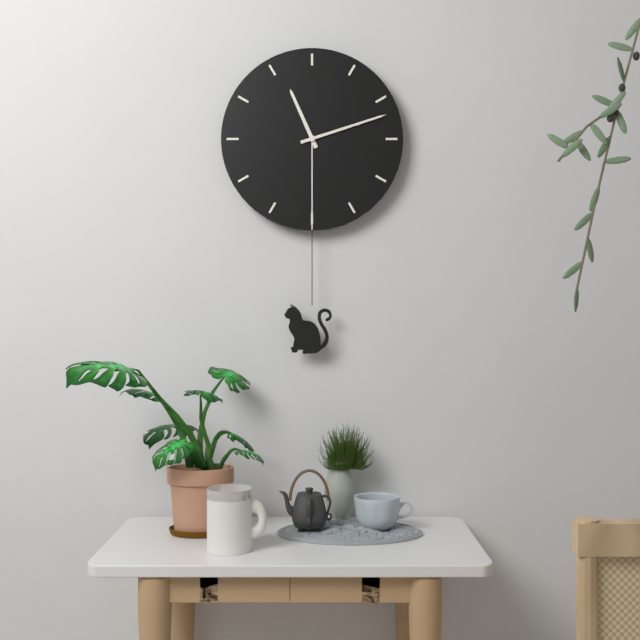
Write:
11,12
